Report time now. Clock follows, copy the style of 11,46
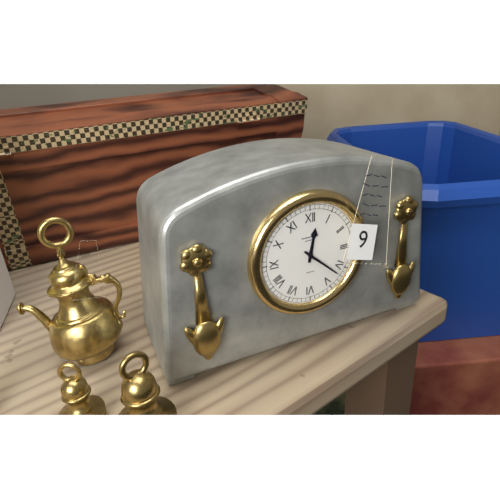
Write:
12,22
